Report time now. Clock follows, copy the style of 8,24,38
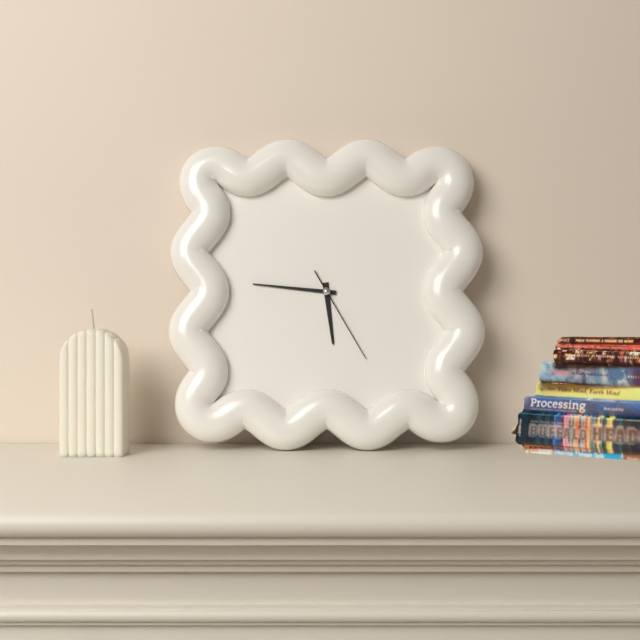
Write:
5,46,25
